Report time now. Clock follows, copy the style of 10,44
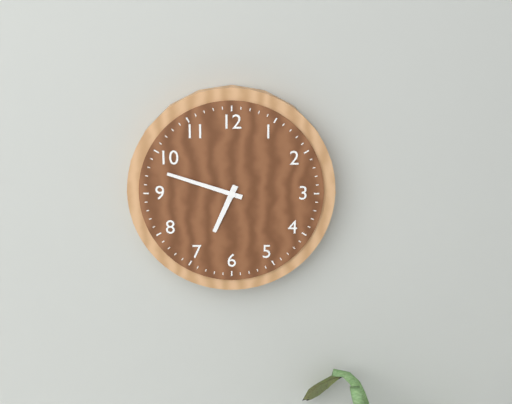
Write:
6,48
